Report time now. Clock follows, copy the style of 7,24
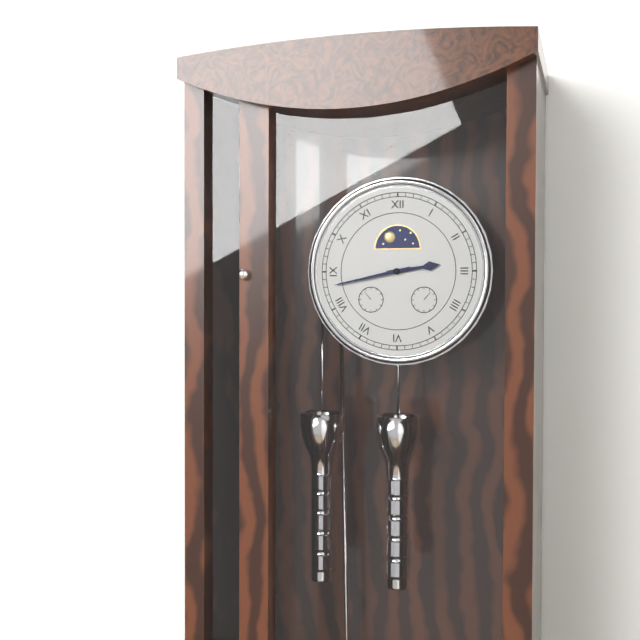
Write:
2,43
